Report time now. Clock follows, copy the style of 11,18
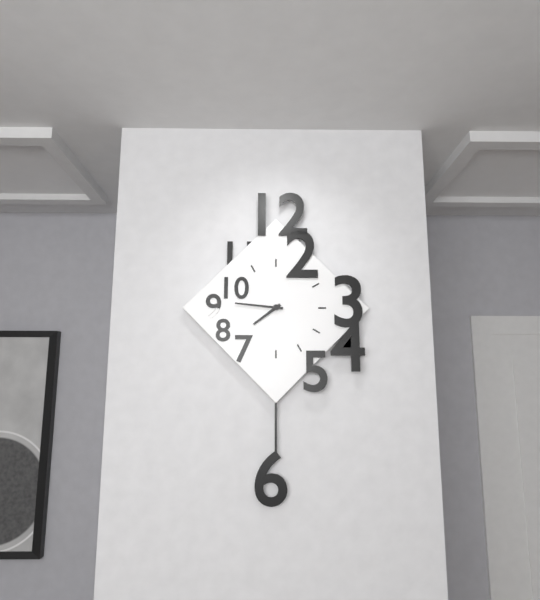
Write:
7,46
